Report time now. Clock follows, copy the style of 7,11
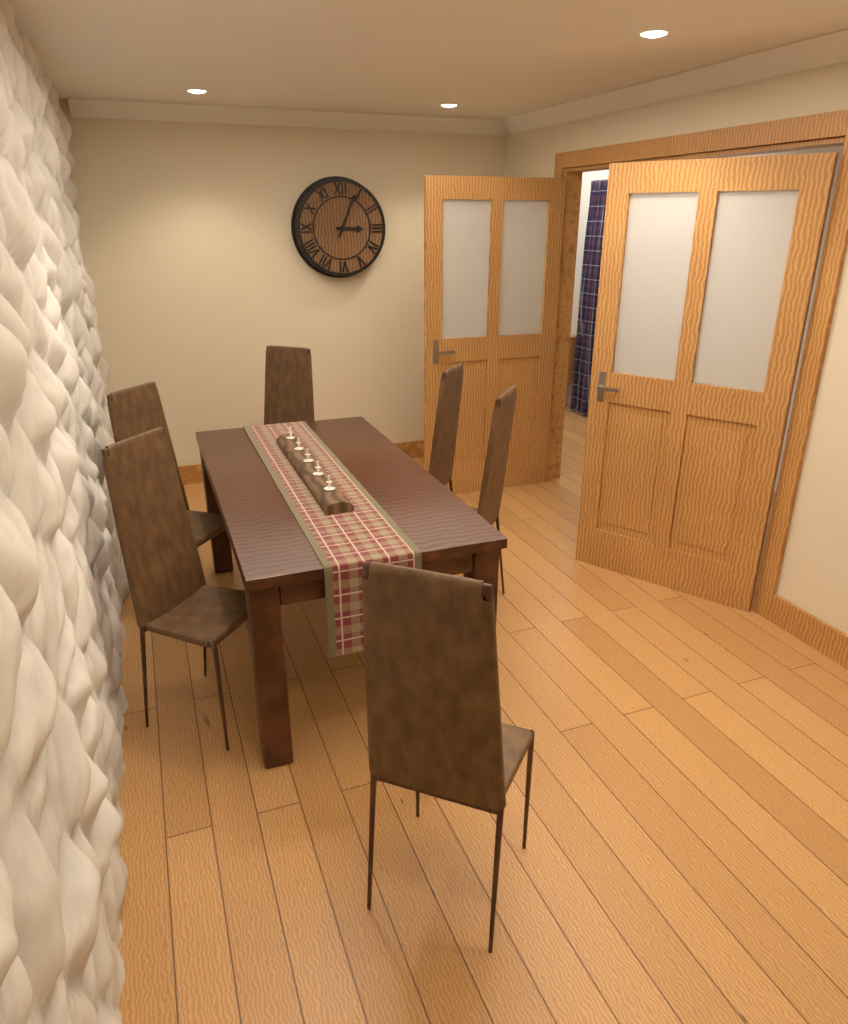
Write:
3,04
